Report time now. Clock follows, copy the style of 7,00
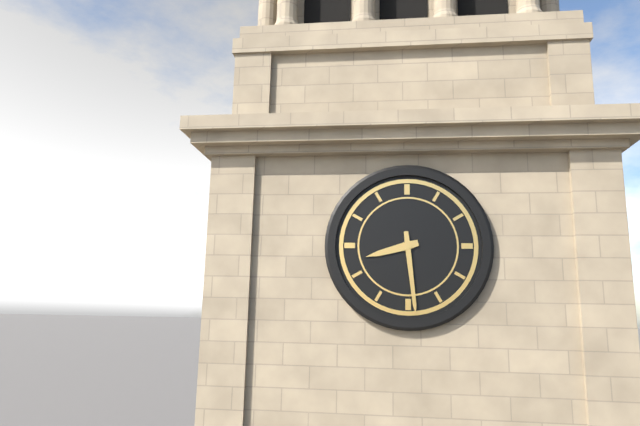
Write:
8,29
